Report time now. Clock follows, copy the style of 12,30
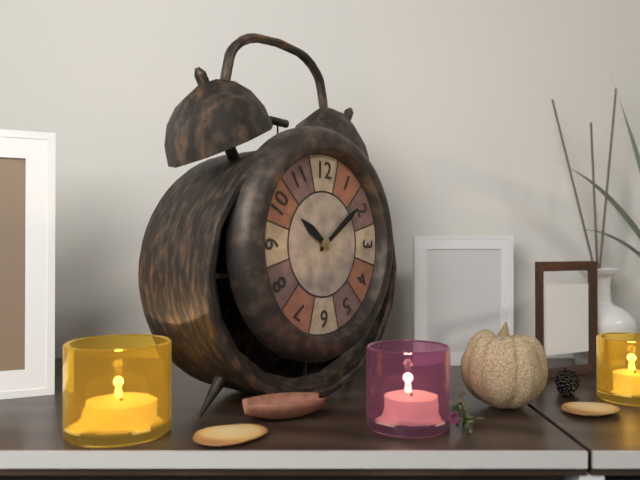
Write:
10,09
